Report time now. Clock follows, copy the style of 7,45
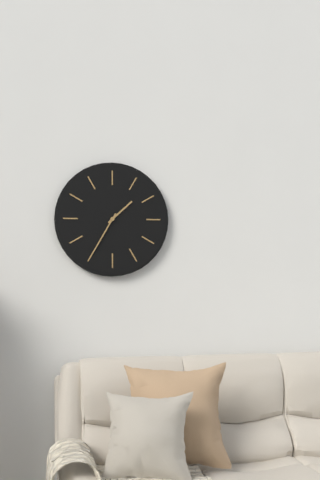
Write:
1,35
